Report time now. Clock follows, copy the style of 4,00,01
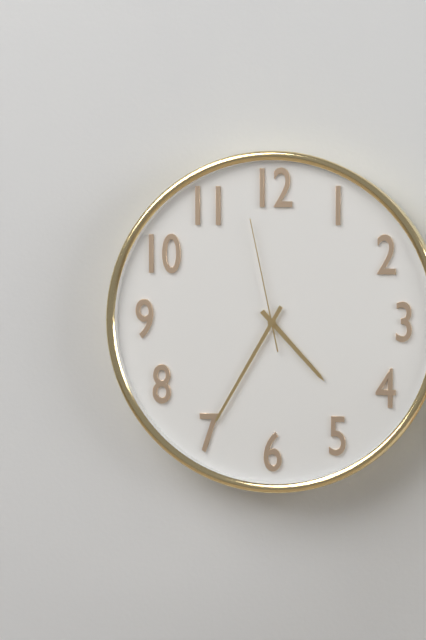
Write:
4,35,58
